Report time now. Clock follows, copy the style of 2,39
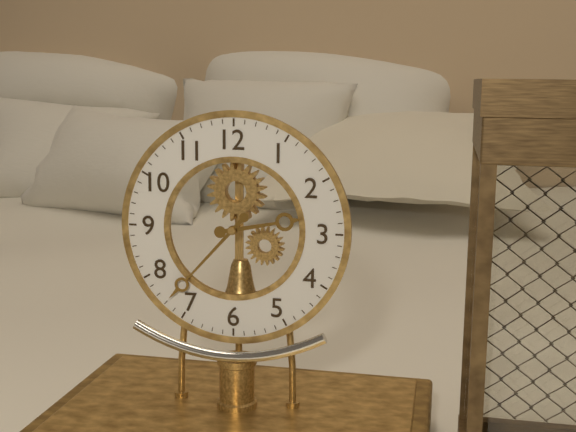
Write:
2,37
